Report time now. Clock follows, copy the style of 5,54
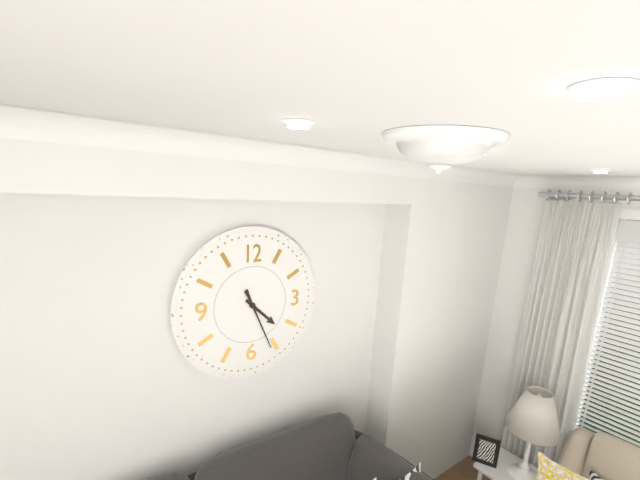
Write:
4,26
